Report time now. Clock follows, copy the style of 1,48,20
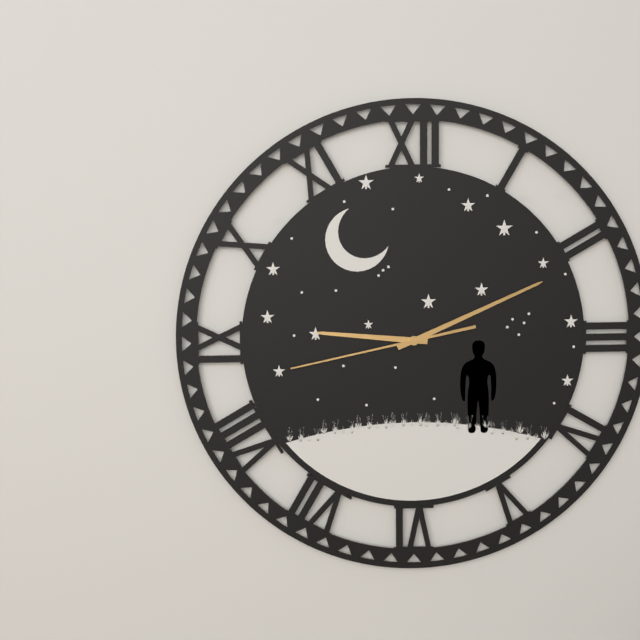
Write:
9,11,43
